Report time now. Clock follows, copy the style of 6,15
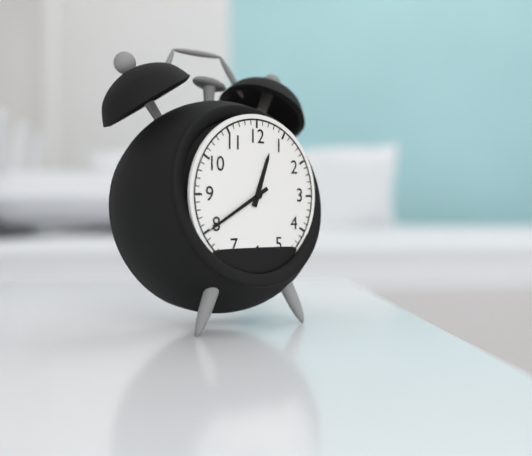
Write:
12,40
